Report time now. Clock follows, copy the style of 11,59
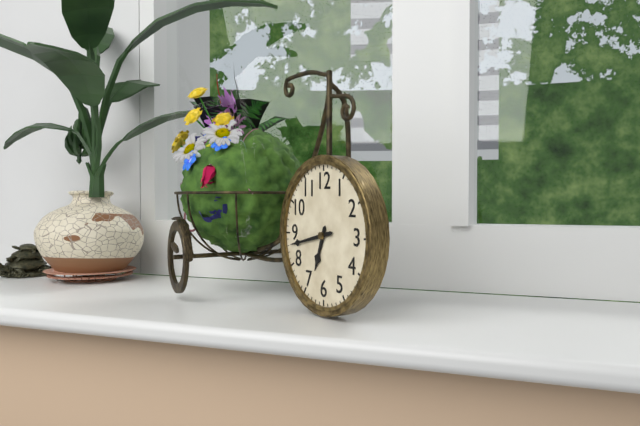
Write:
6,43
